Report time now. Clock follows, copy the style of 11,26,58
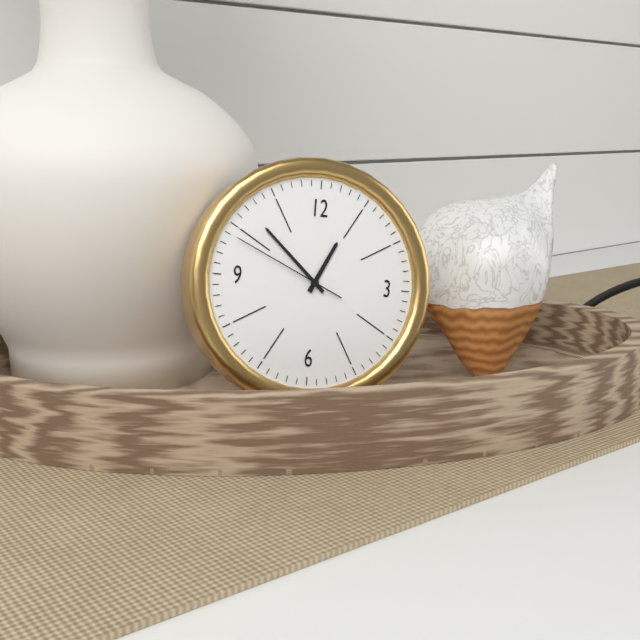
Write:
12,52,49
